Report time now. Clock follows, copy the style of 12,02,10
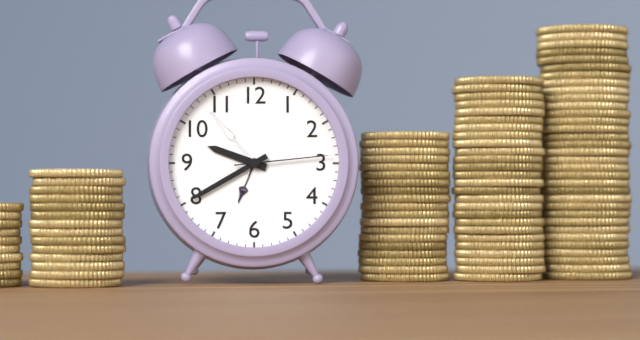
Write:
9,40,14
